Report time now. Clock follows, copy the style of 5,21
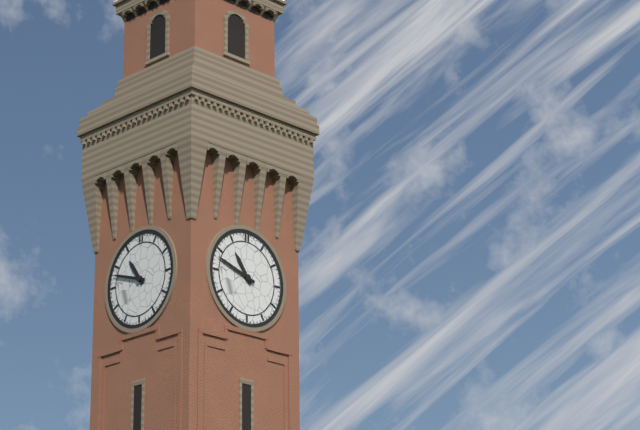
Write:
10,48
